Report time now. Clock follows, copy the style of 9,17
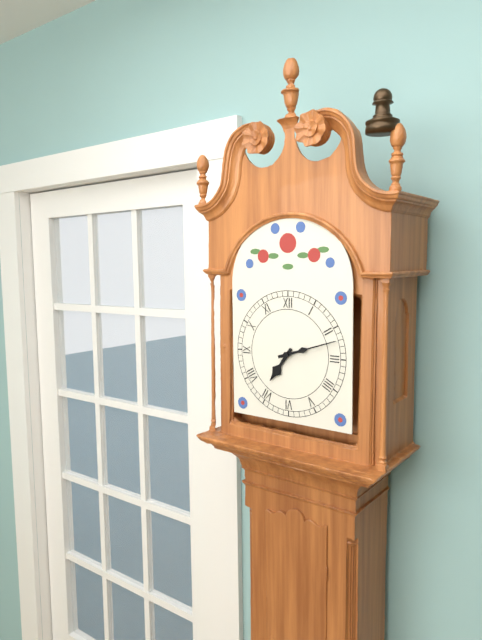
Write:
7,12
